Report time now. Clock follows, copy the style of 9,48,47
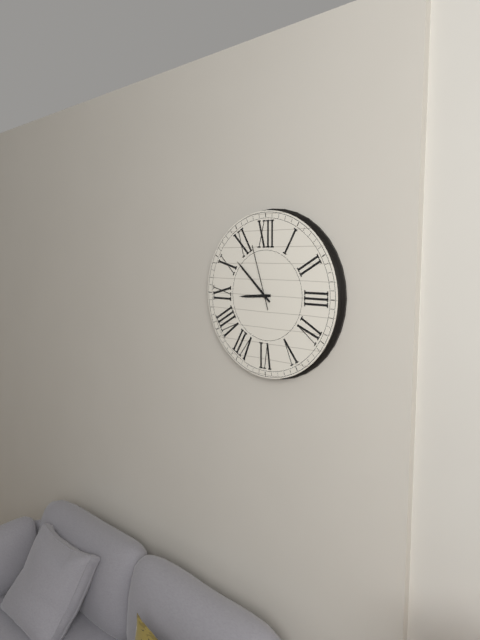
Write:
8,52,57
